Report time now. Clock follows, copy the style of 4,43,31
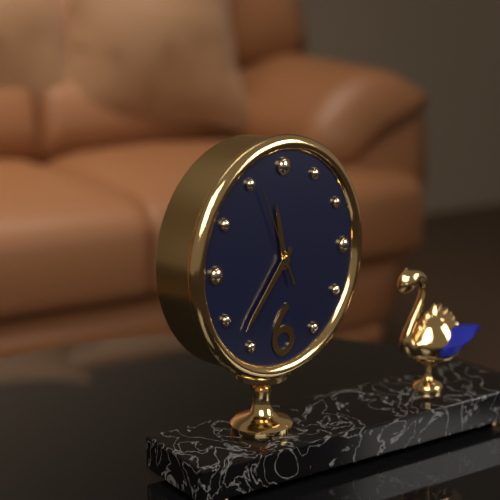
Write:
11,37,56
